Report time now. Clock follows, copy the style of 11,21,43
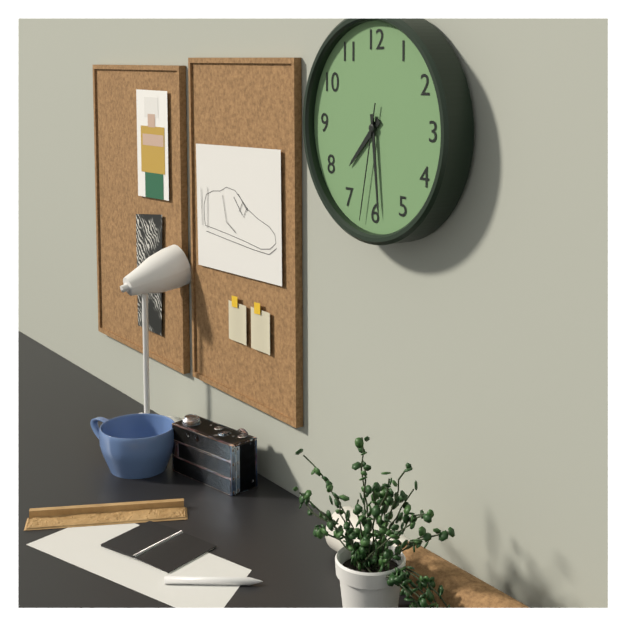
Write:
7,29,32
